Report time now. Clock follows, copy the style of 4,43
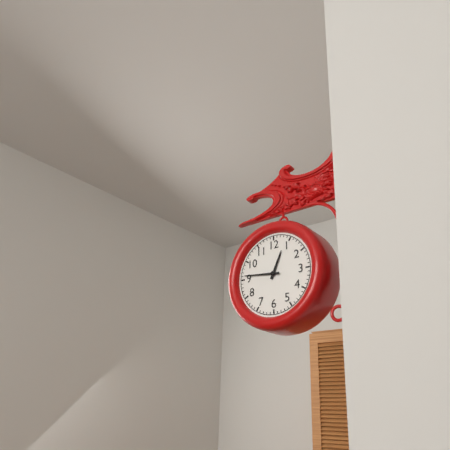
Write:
12,46
